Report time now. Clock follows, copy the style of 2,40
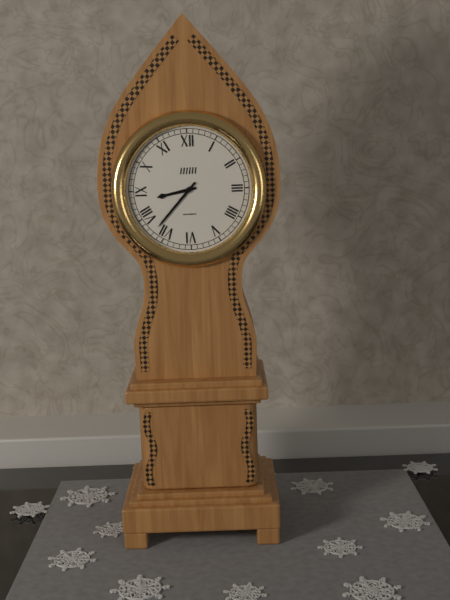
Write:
8,37
